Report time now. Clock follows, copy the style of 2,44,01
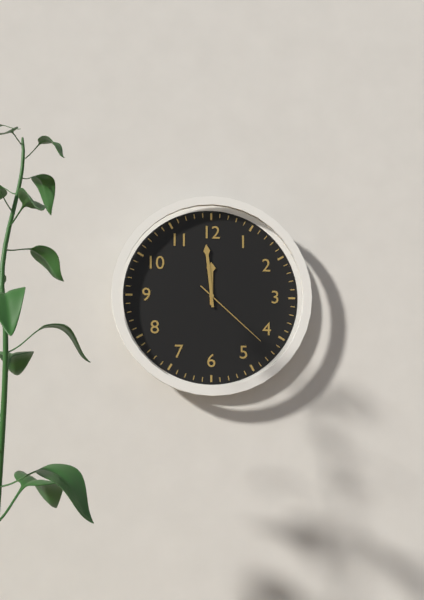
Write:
11,59,22
